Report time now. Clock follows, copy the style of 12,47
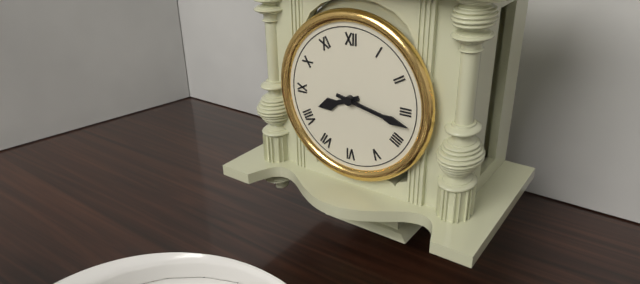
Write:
8,17
